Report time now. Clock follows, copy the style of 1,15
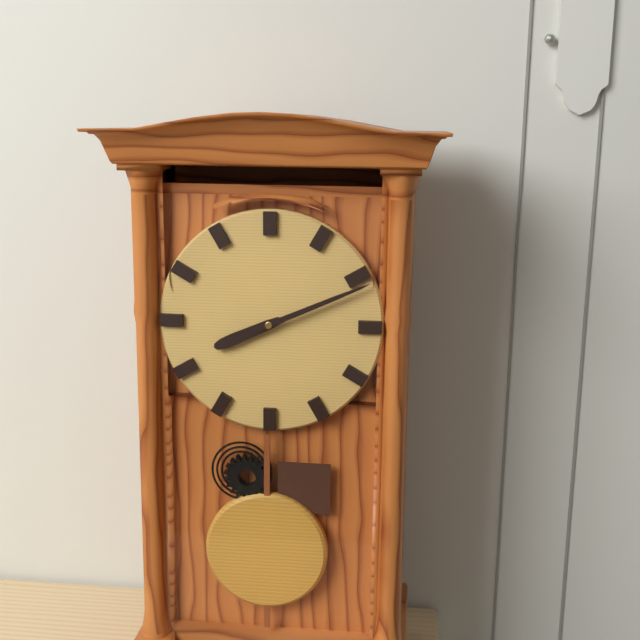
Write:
8,11
